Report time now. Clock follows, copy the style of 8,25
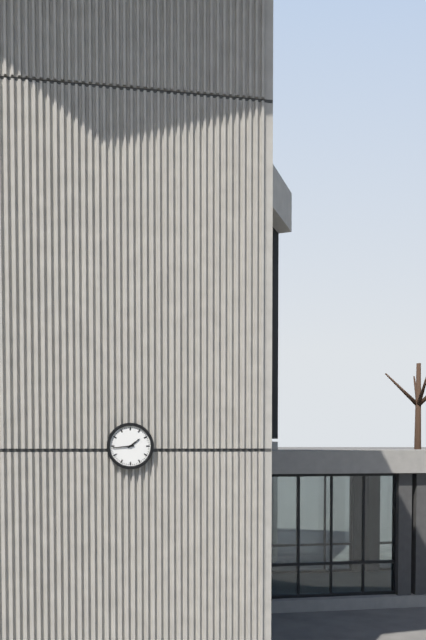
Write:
1,44
